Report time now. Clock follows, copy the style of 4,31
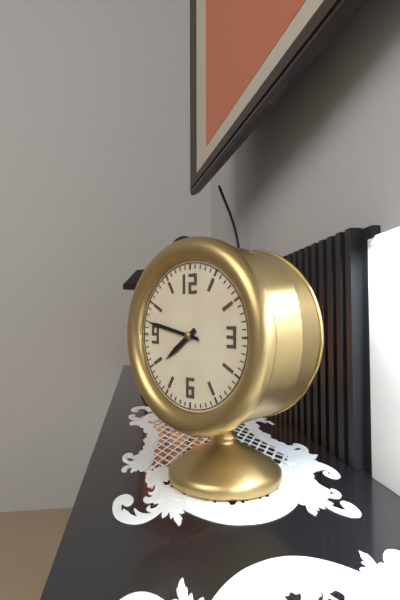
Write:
7,47
